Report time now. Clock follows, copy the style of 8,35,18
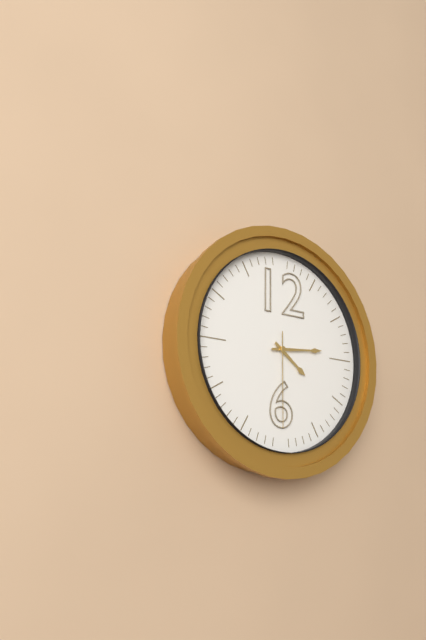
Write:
4,14,30
